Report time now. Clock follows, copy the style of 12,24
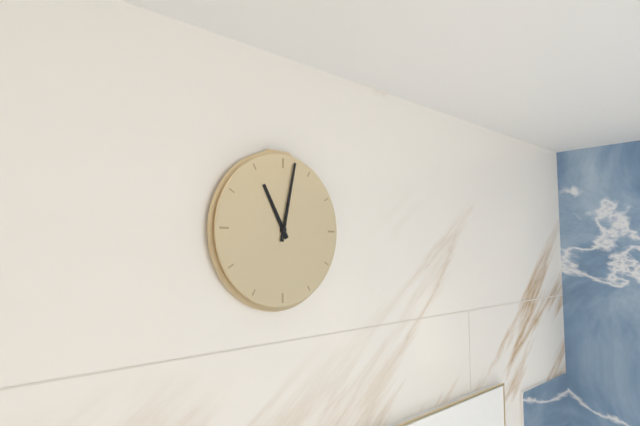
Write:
11,02
